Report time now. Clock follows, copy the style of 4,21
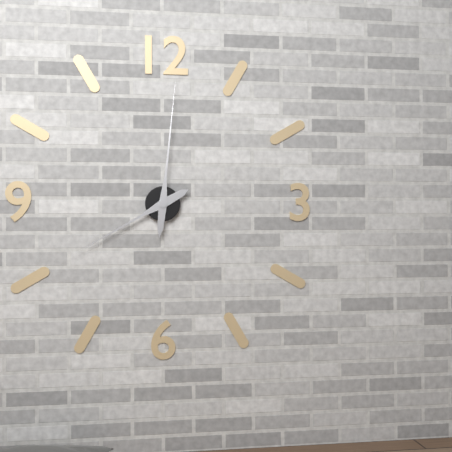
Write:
8,01
